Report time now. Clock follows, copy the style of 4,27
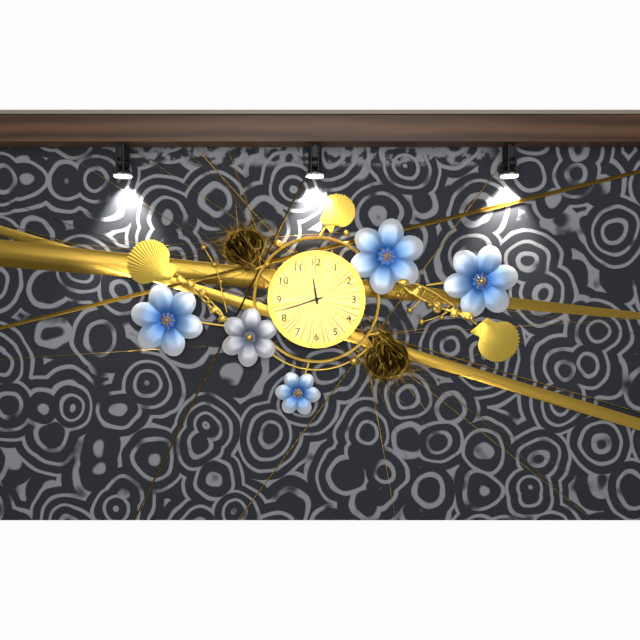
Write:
11,42
